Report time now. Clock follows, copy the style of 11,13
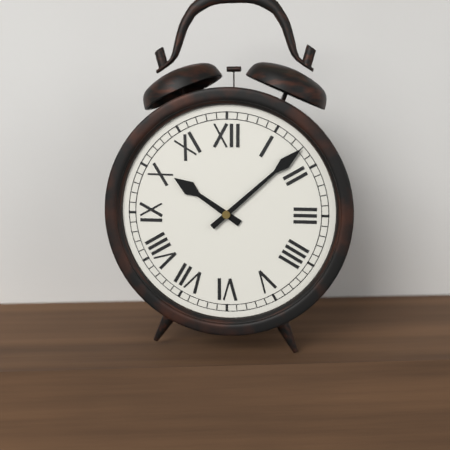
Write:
10,08
